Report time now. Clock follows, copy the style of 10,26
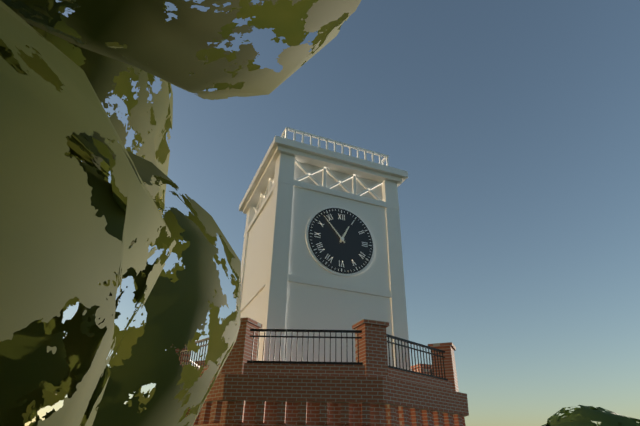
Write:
12,53
